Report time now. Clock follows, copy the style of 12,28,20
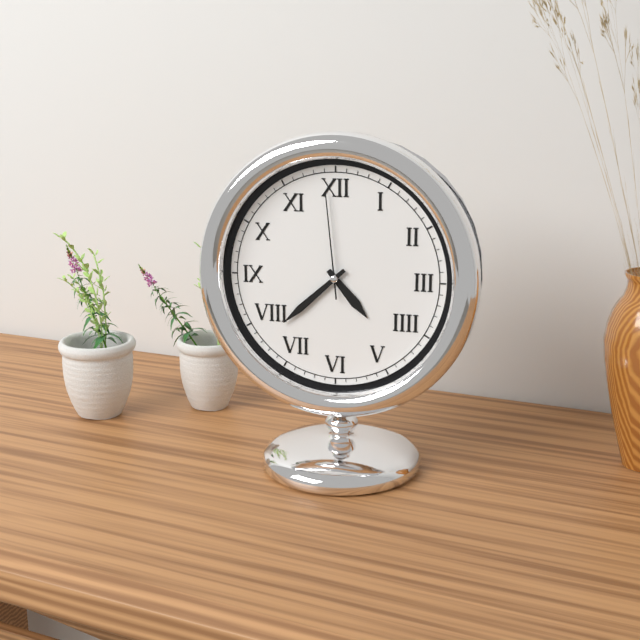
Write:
4,38,59
